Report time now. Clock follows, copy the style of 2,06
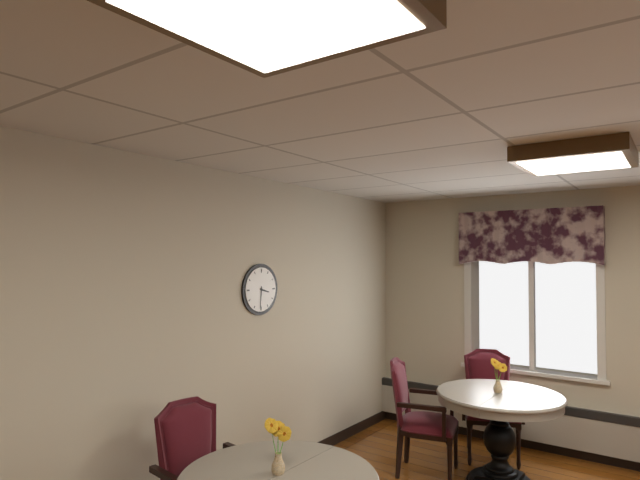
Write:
3,31
